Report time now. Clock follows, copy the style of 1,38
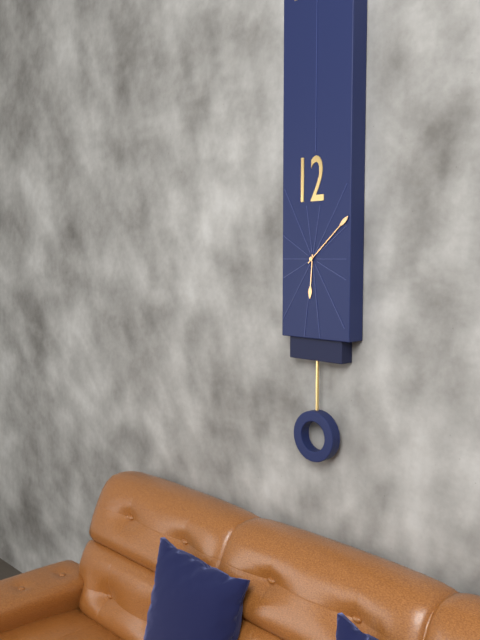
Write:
6,08
